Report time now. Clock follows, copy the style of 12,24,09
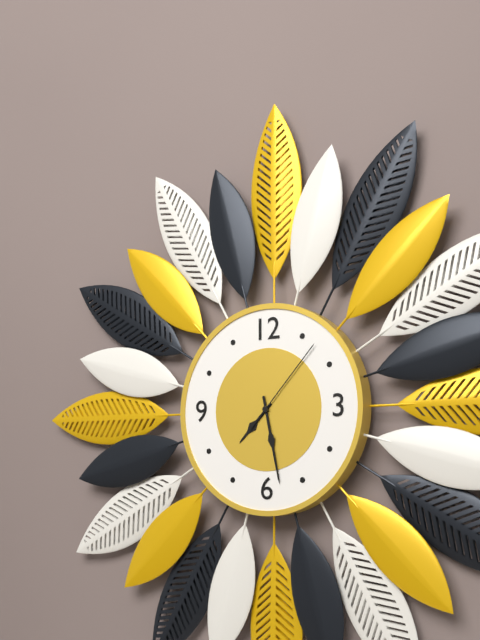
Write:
7,28,07
